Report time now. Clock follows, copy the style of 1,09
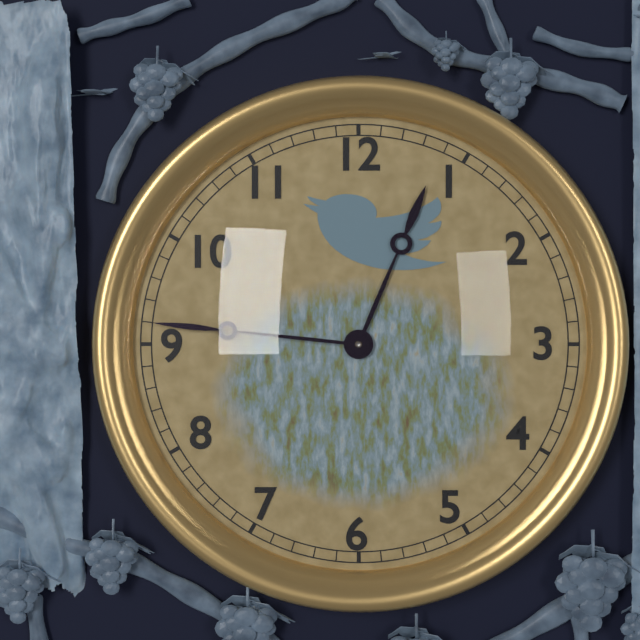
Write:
12,46
